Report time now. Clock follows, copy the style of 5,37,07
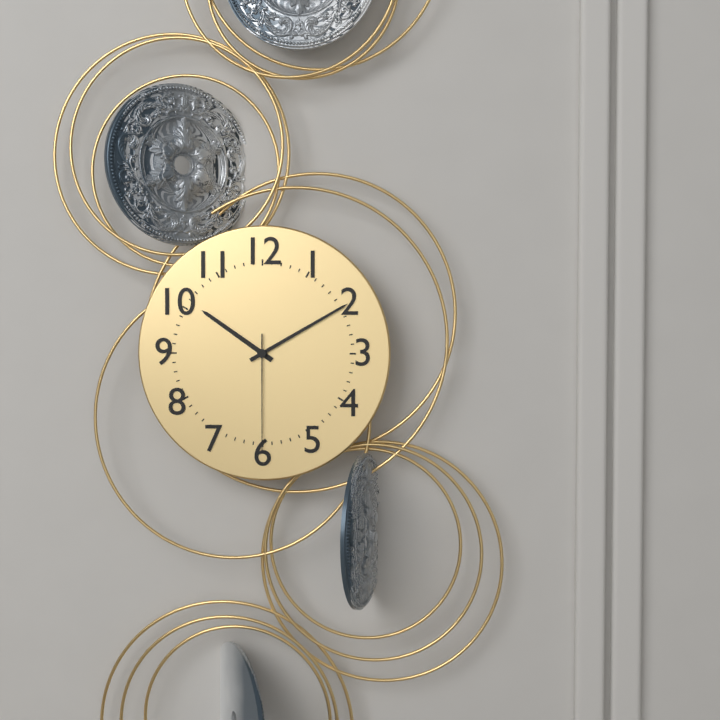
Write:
10,10,30
